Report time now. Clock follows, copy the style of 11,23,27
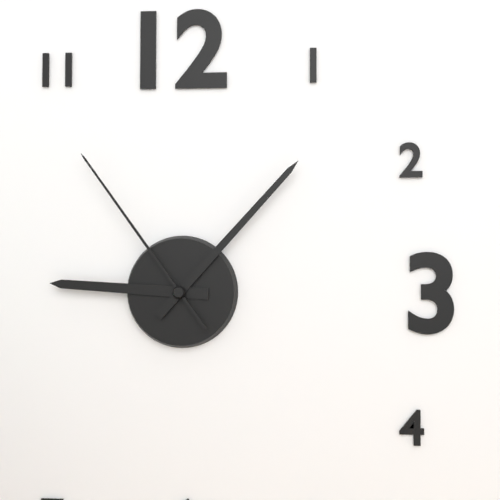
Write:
9,07,54
